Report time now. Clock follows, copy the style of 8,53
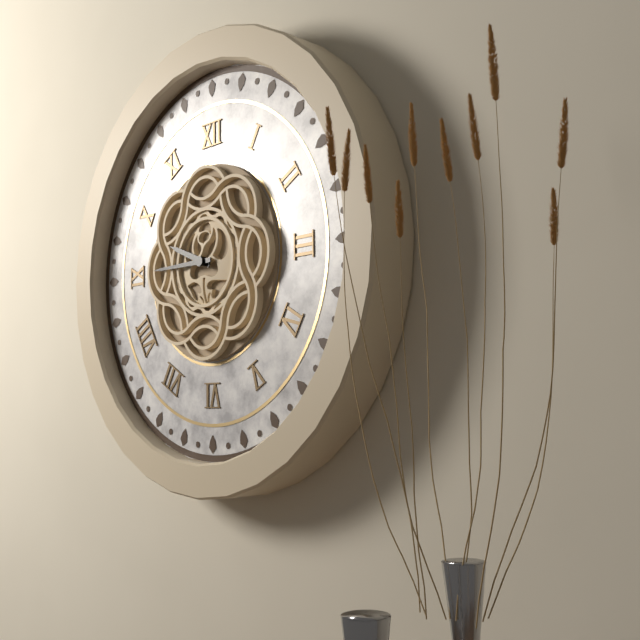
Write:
9,45
